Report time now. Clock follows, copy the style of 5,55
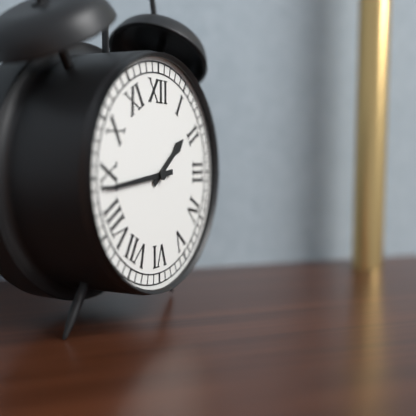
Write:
1,44
